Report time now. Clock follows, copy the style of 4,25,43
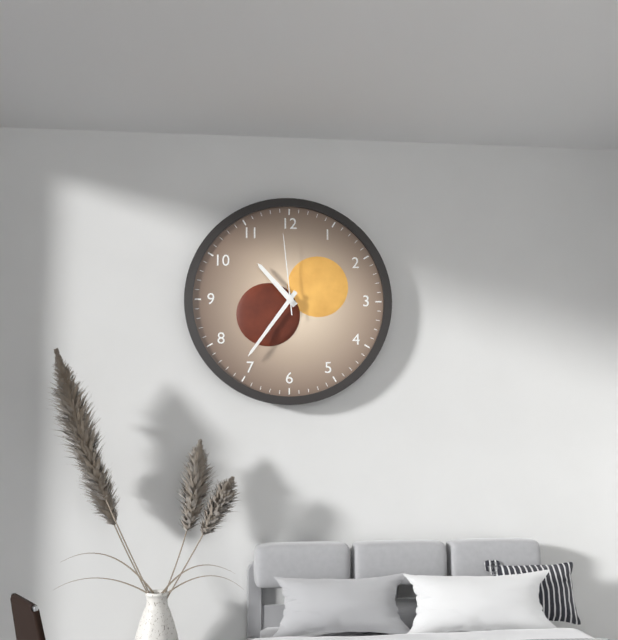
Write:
10,36,59
